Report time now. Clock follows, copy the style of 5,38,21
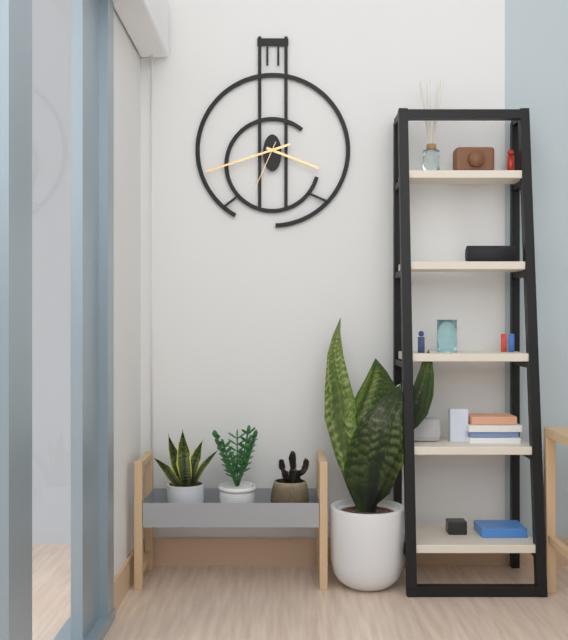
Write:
3,42,34
